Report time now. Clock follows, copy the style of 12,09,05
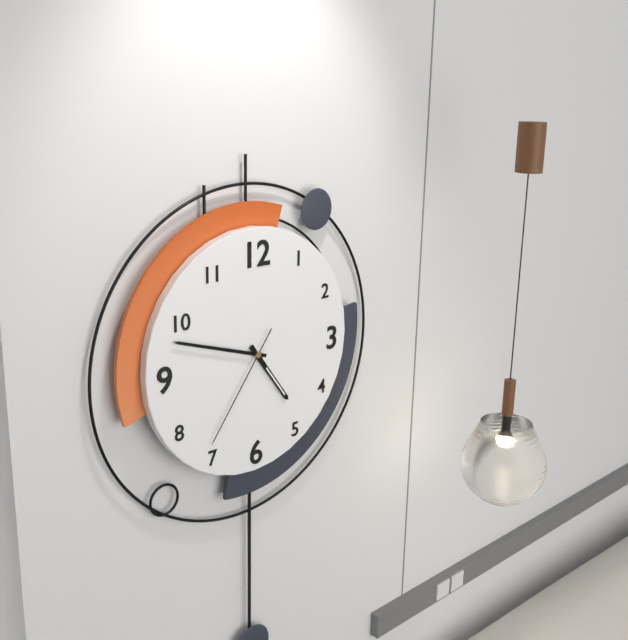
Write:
4,48,36
